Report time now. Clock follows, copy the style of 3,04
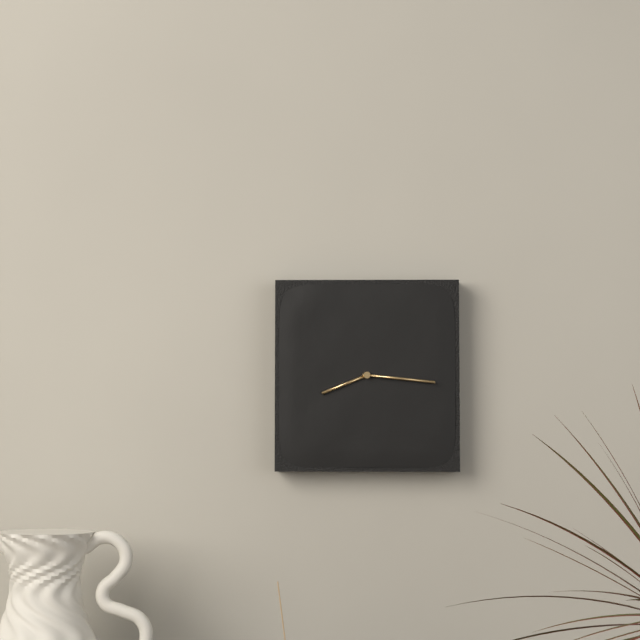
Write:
8,16
